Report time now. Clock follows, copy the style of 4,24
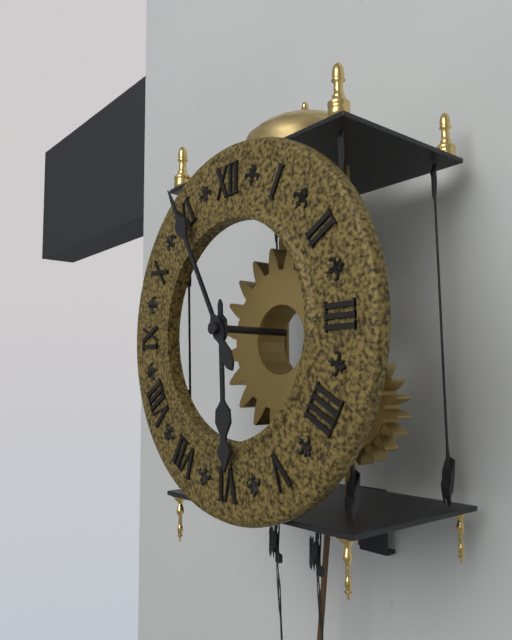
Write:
5,55
